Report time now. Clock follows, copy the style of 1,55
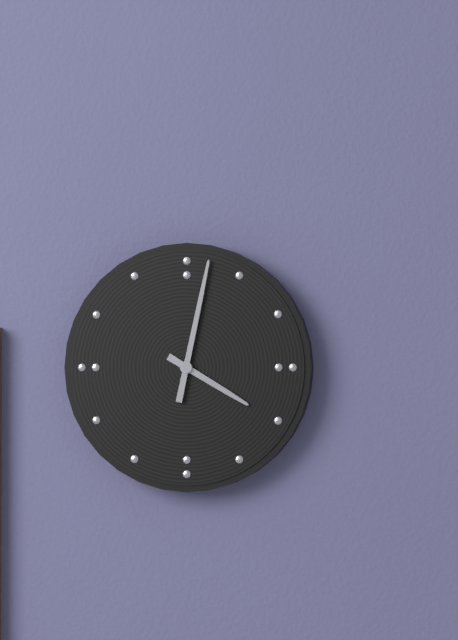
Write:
4,02
